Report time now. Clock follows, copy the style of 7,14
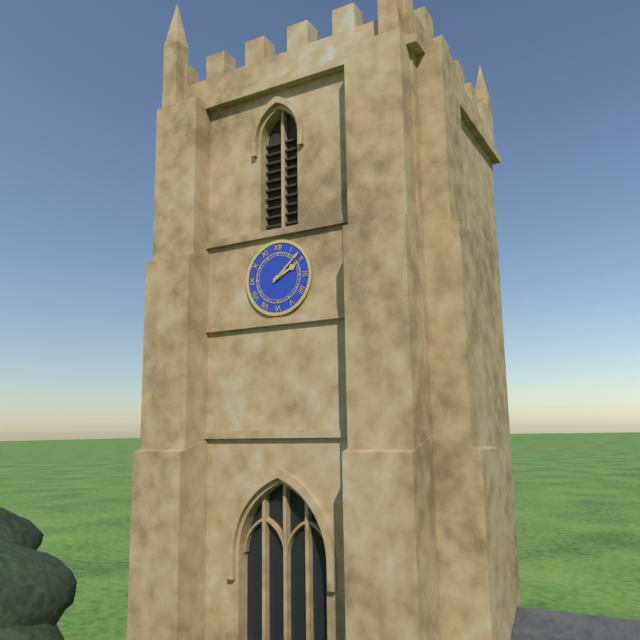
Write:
2,08
